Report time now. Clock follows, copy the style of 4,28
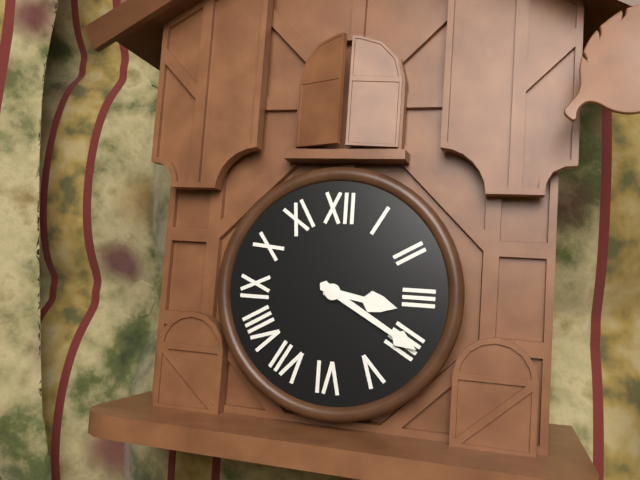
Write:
3,20
